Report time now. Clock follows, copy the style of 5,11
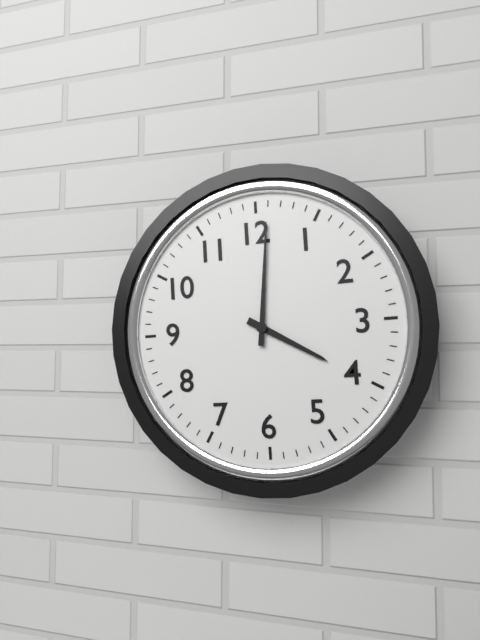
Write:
4,01
